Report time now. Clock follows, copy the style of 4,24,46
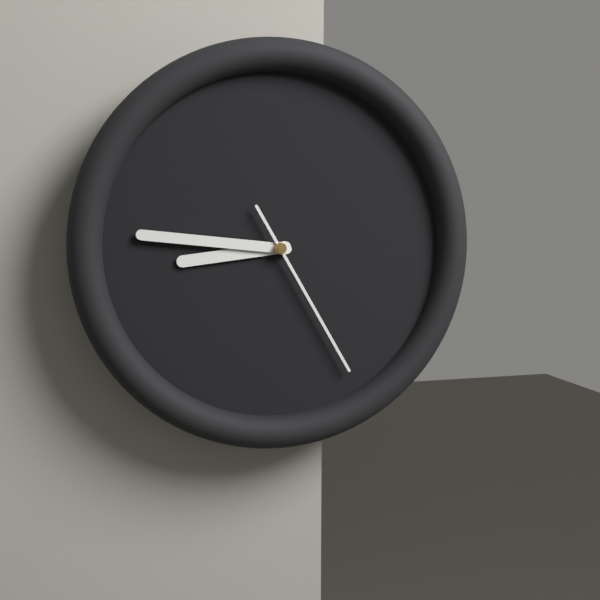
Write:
8,46,25
